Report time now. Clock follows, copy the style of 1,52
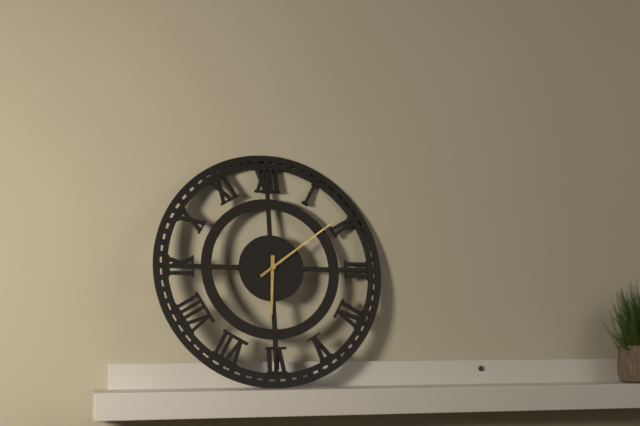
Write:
6,09
